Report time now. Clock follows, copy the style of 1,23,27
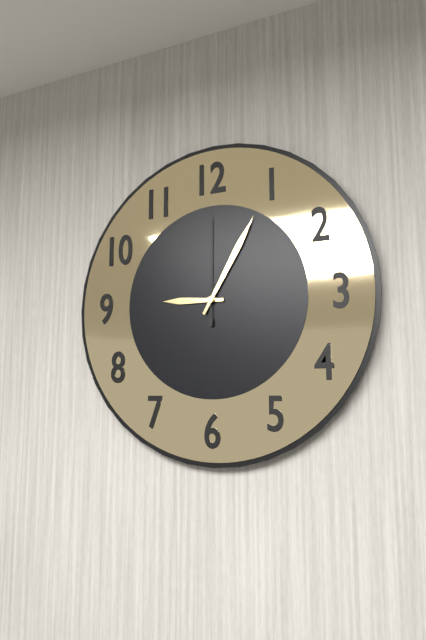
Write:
9,05,00
